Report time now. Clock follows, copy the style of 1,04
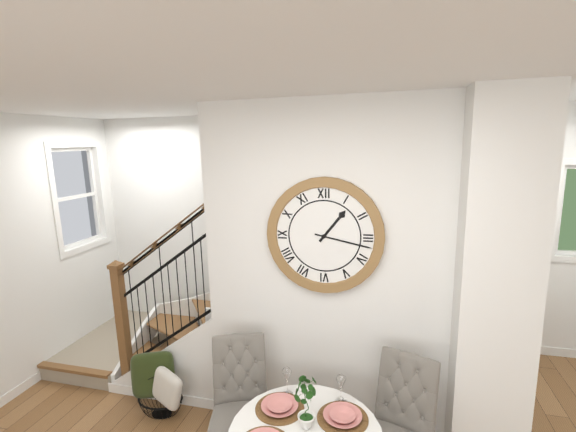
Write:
1,17
